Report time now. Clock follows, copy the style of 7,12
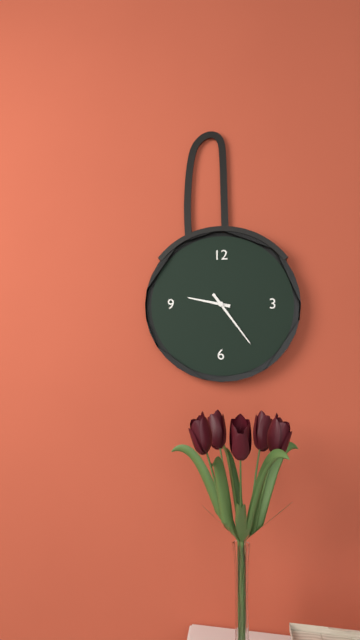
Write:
9,24
